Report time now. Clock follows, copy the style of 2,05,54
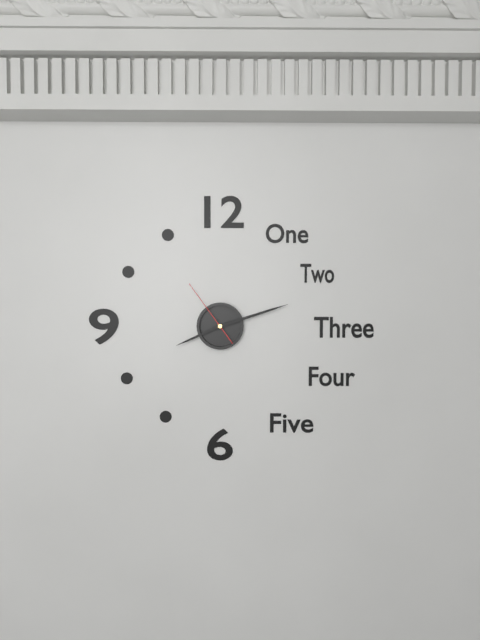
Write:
8,12,54
